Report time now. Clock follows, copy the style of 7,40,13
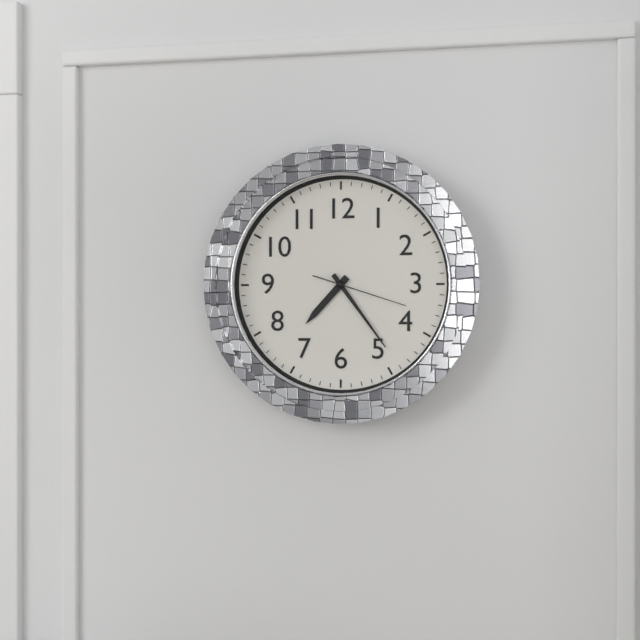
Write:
7,24,18
